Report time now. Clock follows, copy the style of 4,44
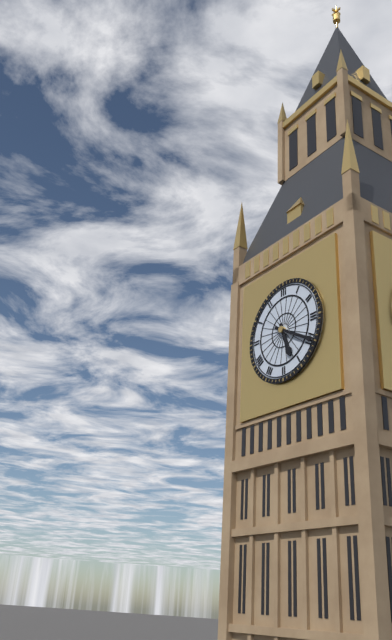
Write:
5,20
